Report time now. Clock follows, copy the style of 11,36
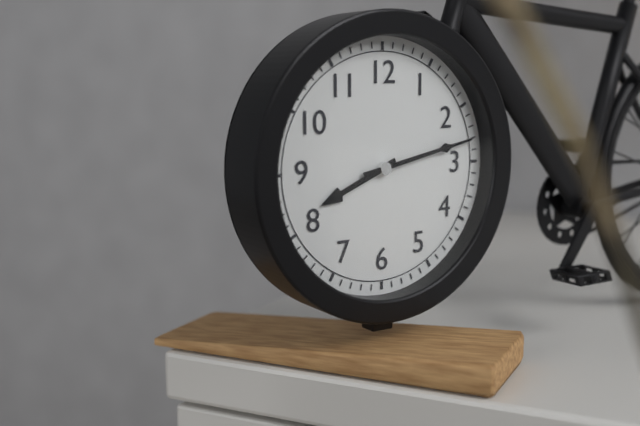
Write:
8,13
